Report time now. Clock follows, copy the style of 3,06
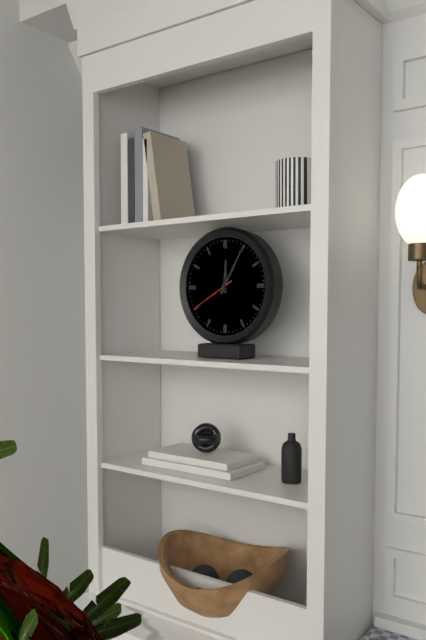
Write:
12,05
